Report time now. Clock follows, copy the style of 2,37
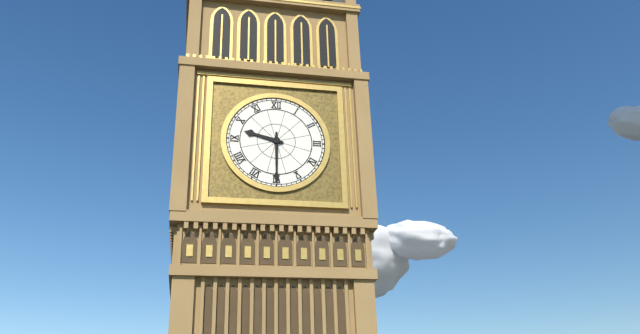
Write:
9,30
